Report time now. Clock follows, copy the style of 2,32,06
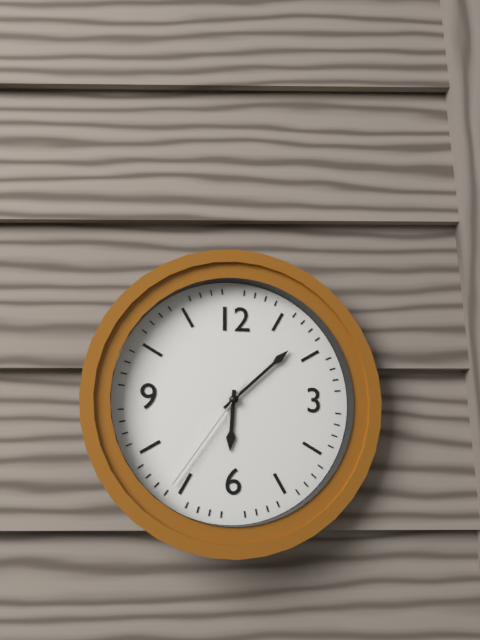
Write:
6,08,36
